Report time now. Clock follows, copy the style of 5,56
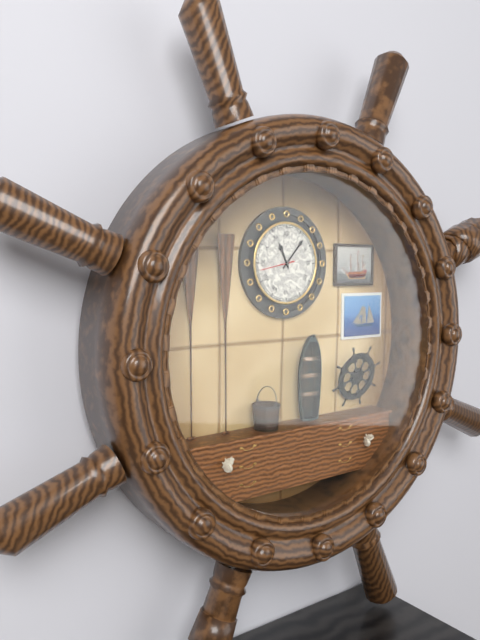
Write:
11,07
